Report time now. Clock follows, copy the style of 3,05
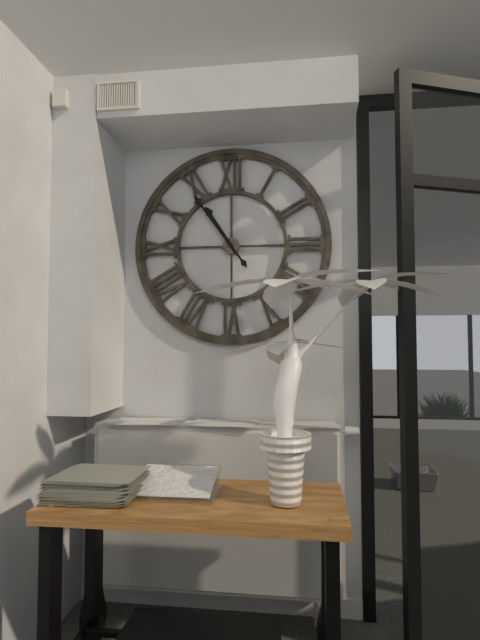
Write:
10,54
